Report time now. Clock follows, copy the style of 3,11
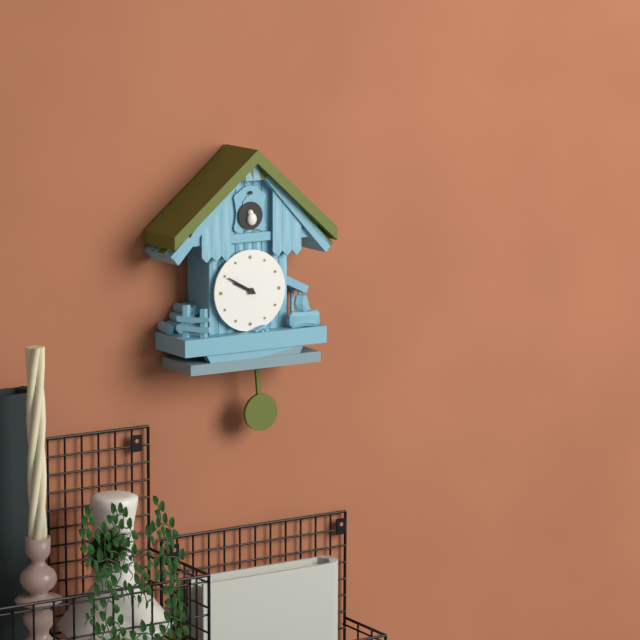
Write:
9,50
